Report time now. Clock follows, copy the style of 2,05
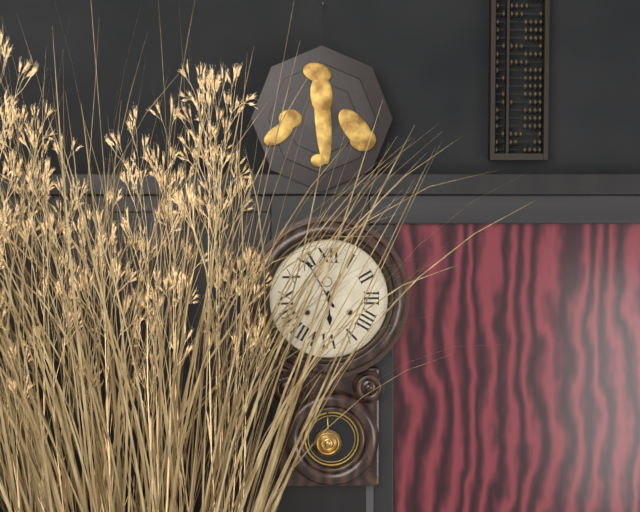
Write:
5,55
